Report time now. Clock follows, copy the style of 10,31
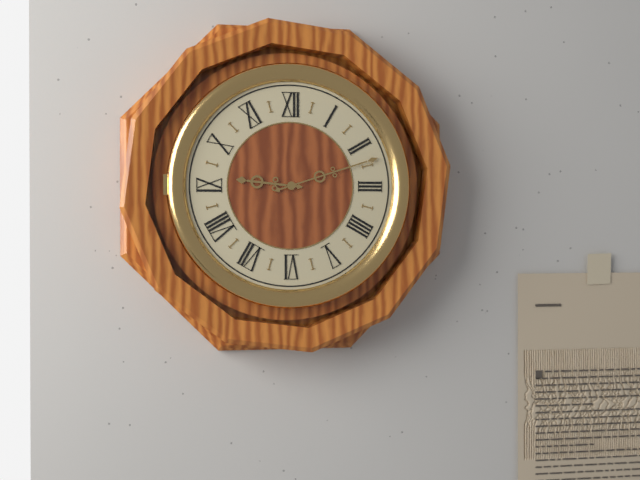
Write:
9,12
